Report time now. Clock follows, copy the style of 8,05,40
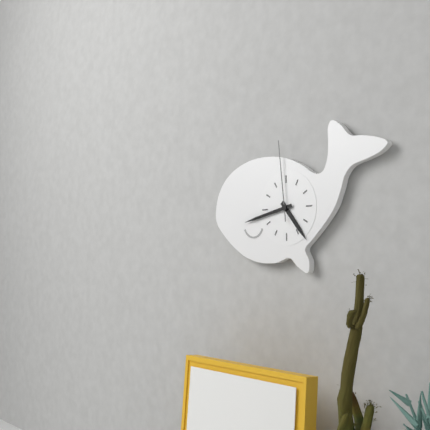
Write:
4,43,59
